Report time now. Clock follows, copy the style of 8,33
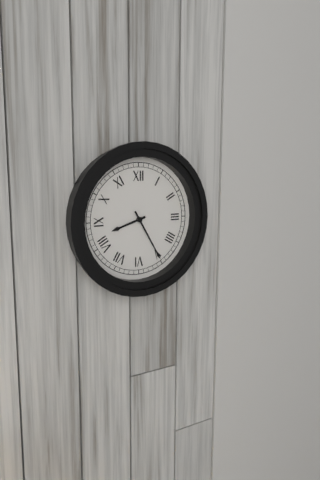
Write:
8,25
